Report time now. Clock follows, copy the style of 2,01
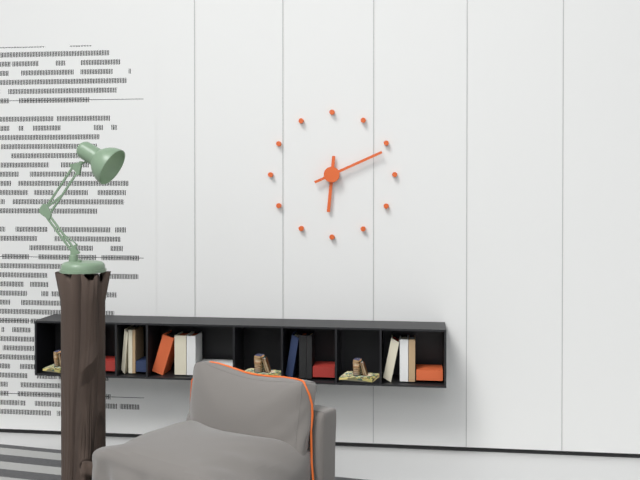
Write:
6,11
